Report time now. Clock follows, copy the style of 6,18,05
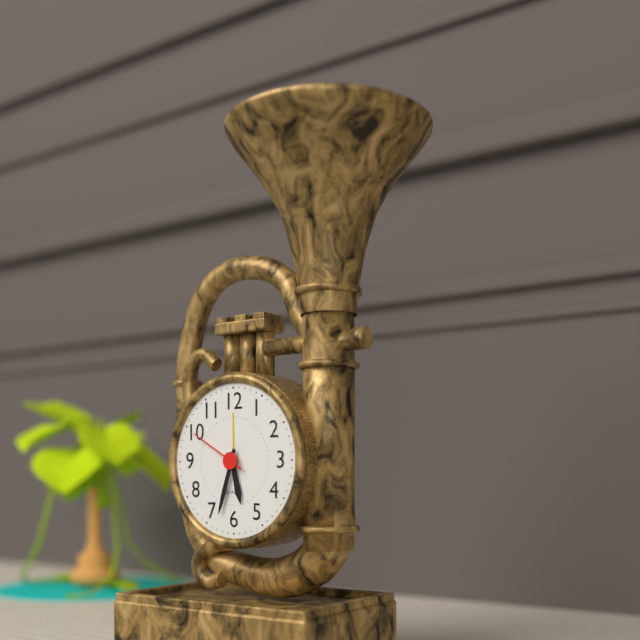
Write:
5,33,50
